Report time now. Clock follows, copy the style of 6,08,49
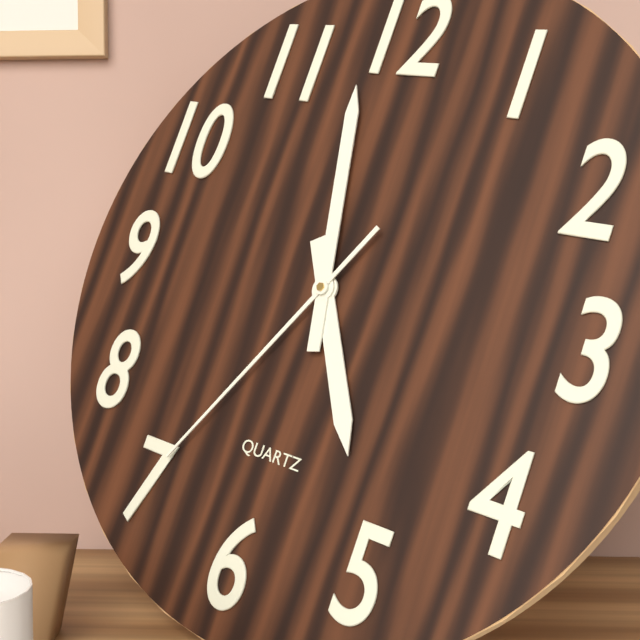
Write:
4,58,35
